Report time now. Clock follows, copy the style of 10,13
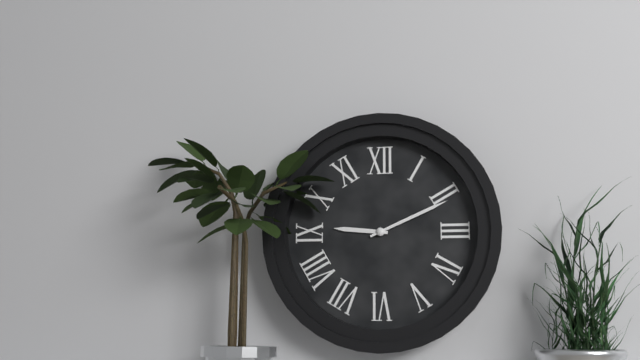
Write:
9,11
